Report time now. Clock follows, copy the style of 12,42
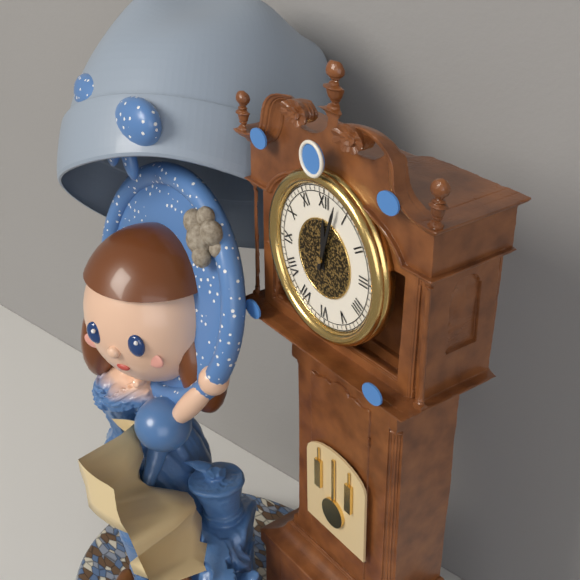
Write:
12,03
